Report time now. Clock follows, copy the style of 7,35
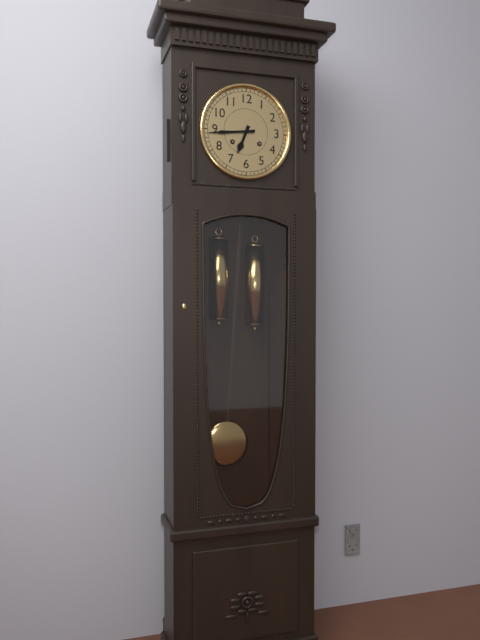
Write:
6,44
